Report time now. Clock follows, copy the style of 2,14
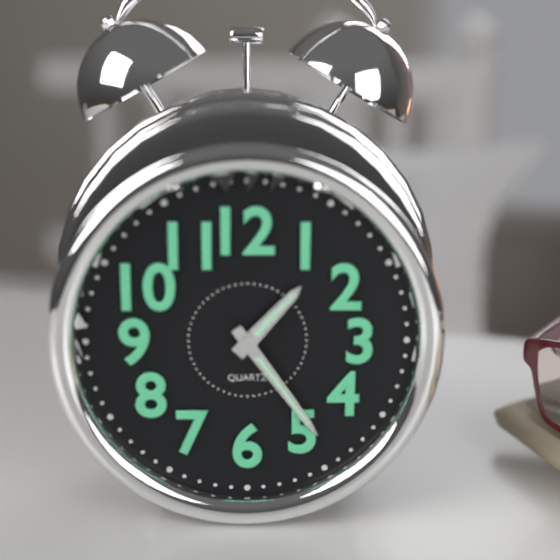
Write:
1,24
